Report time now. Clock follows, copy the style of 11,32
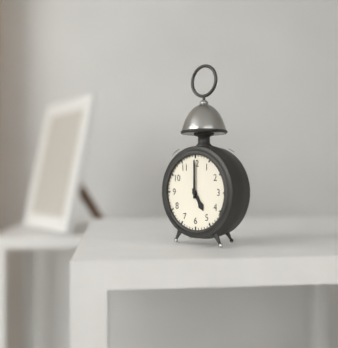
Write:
5,00
